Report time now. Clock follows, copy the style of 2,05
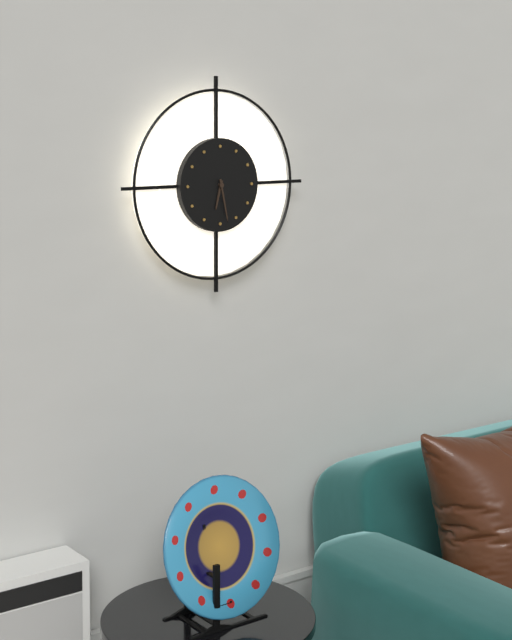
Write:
6,28
